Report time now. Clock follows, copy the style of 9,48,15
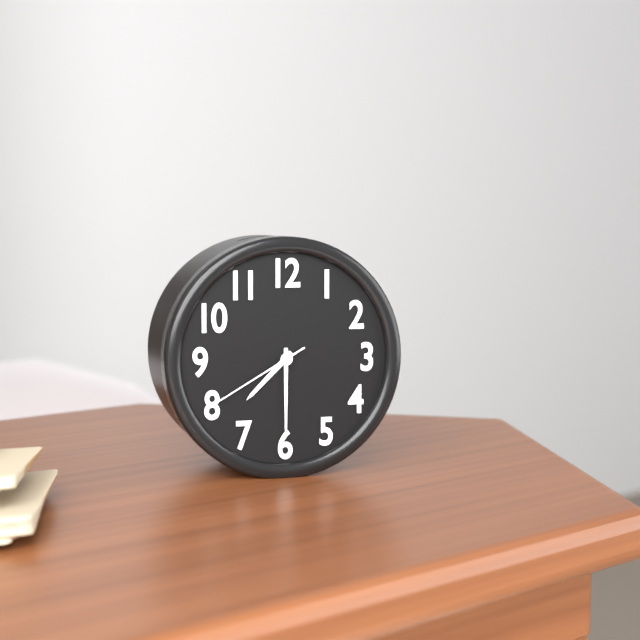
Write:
7,30,40
